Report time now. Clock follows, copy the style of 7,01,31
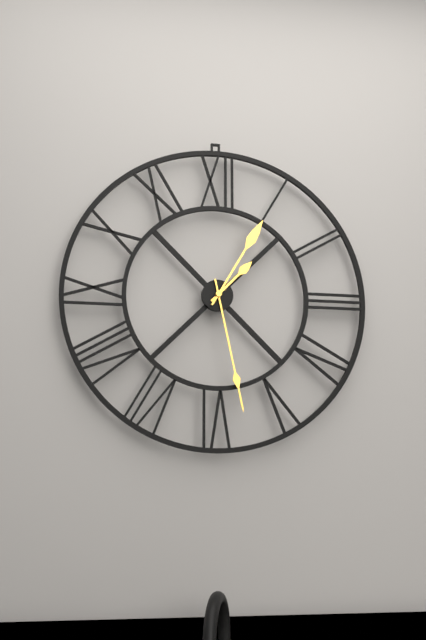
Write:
1,28,05
